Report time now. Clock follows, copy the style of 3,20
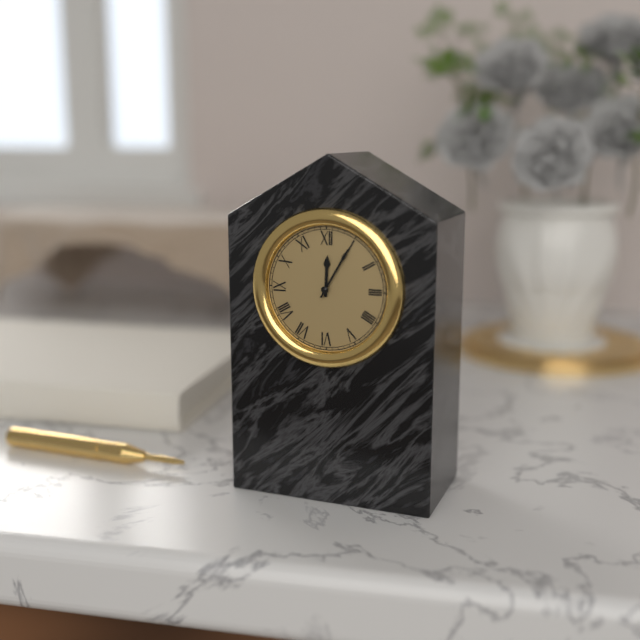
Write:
12,05
